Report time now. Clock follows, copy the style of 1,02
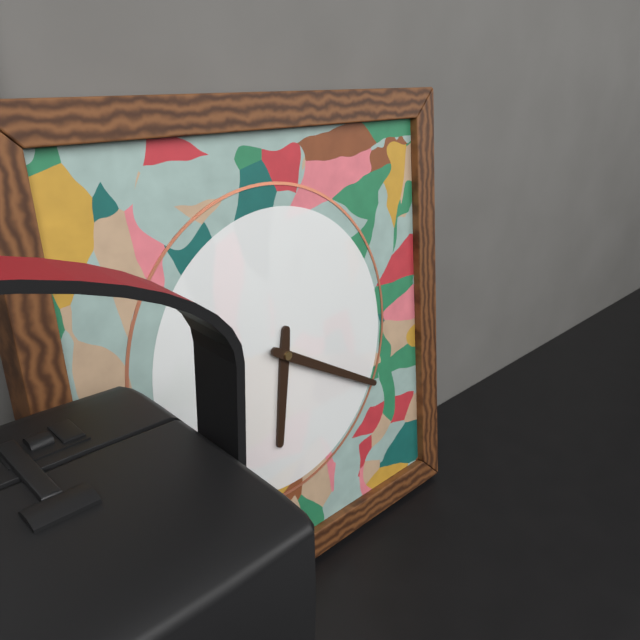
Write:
6,20
